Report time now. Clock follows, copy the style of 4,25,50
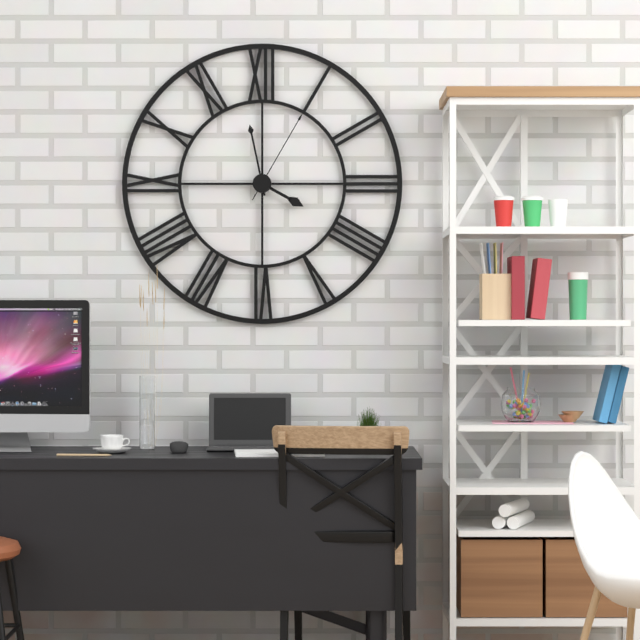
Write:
3,58,05
